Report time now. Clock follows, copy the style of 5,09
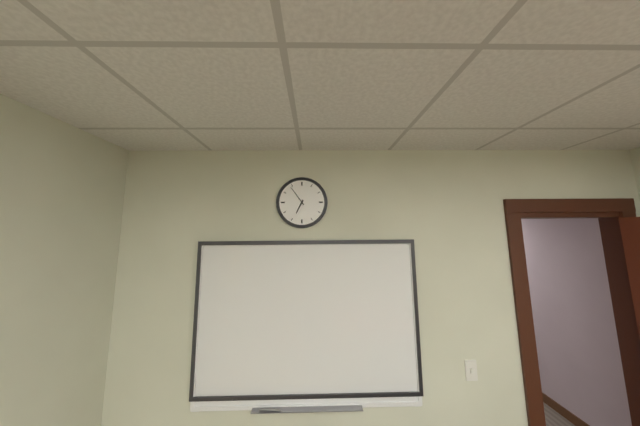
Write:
6,54
